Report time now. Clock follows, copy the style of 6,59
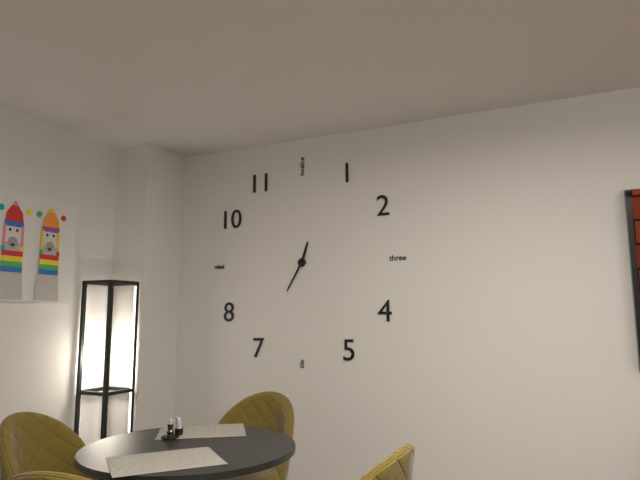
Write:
12,35
